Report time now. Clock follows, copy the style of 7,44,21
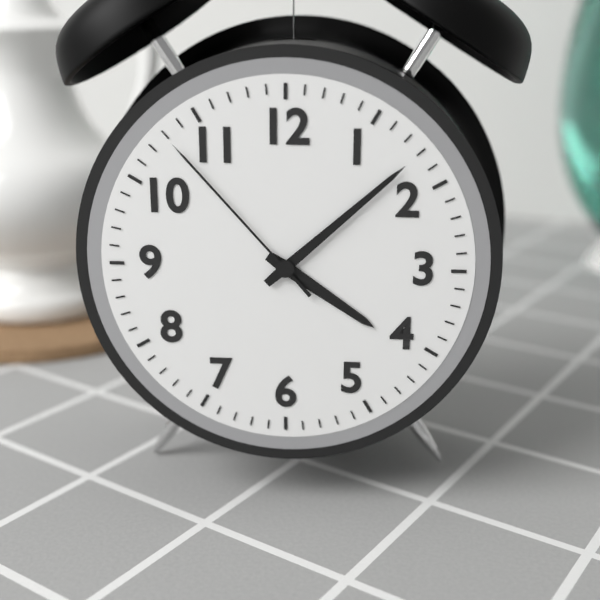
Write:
4,08,53
